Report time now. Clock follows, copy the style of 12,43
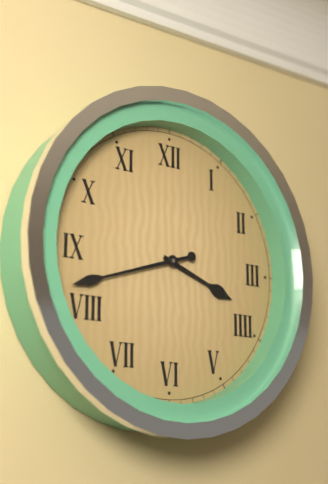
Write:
3,42
